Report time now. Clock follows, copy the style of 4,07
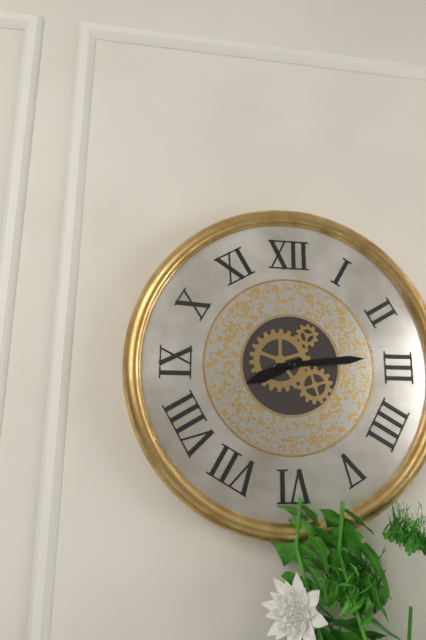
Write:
8,14
